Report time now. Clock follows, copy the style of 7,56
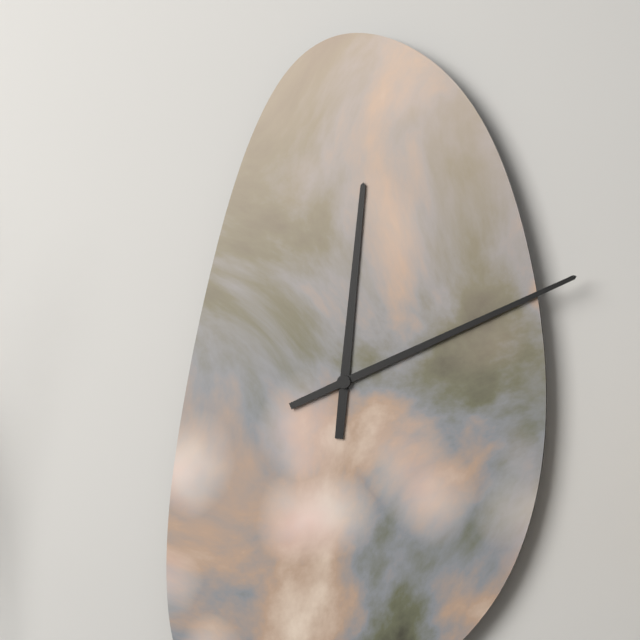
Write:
12,11
